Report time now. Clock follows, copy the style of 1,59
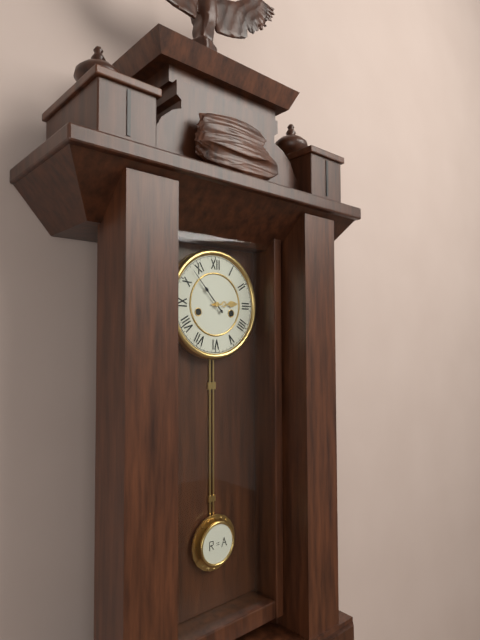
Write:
2,53
